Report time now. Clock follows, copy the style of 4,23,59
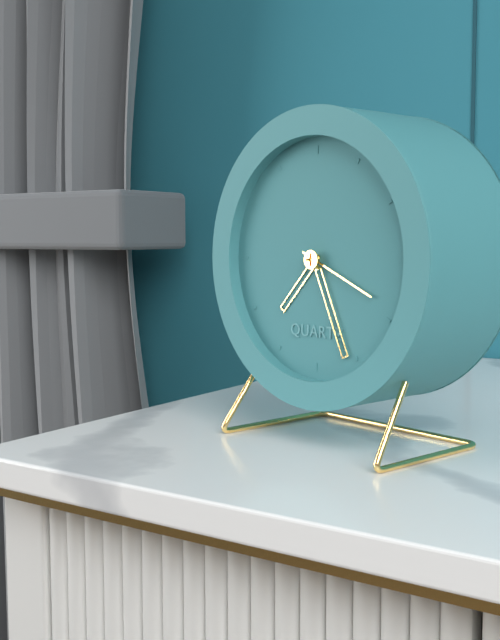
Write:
7,26,19
